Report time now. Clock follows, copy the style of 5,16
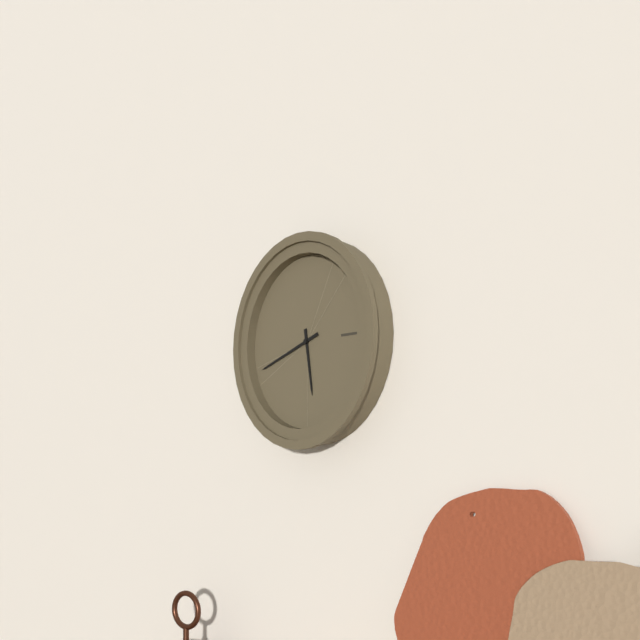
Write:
5,42
